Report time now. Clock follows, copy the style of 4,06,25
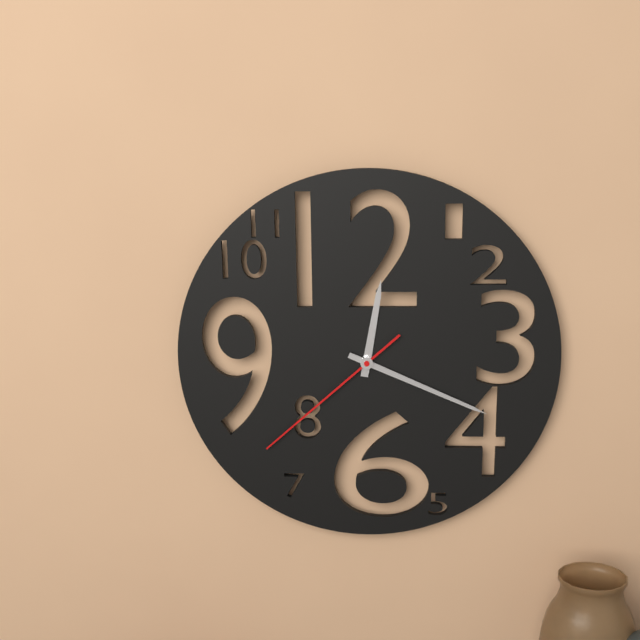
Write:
12,19,38
